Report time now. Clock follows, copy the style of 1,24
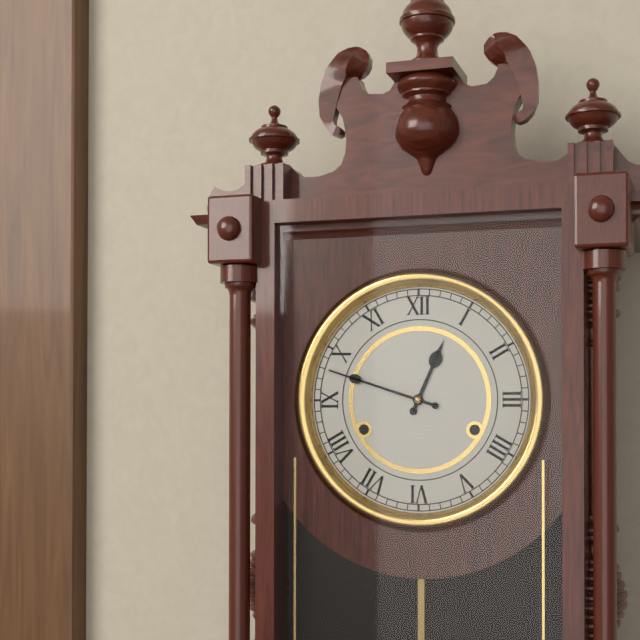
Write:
12,48
